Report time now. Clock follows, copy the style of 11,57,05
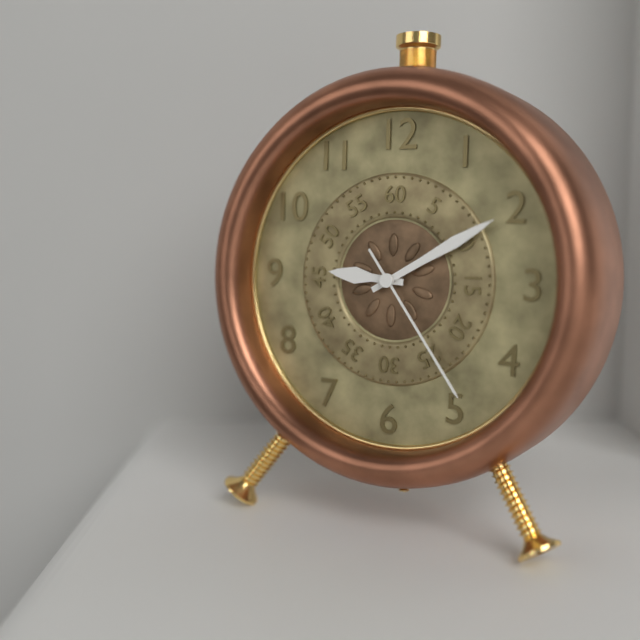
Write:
9,10,24
